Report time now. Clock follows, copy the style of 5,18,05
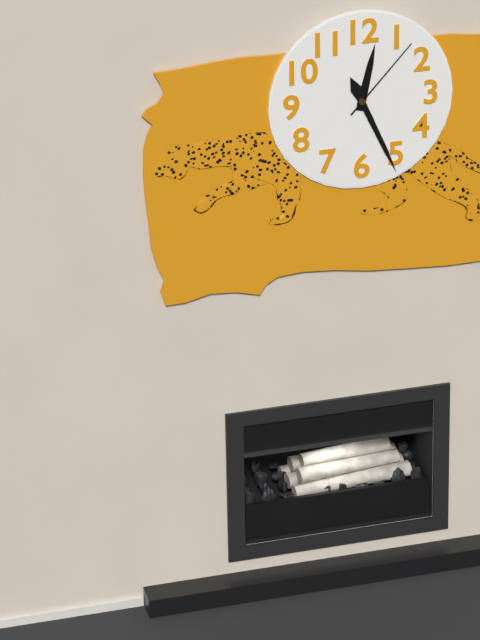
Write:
12,26,07
